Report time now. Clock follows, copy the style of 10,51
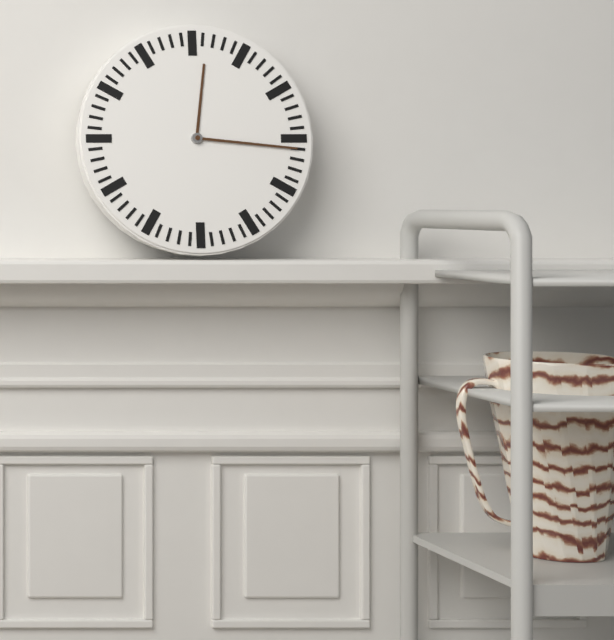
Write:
12,16
